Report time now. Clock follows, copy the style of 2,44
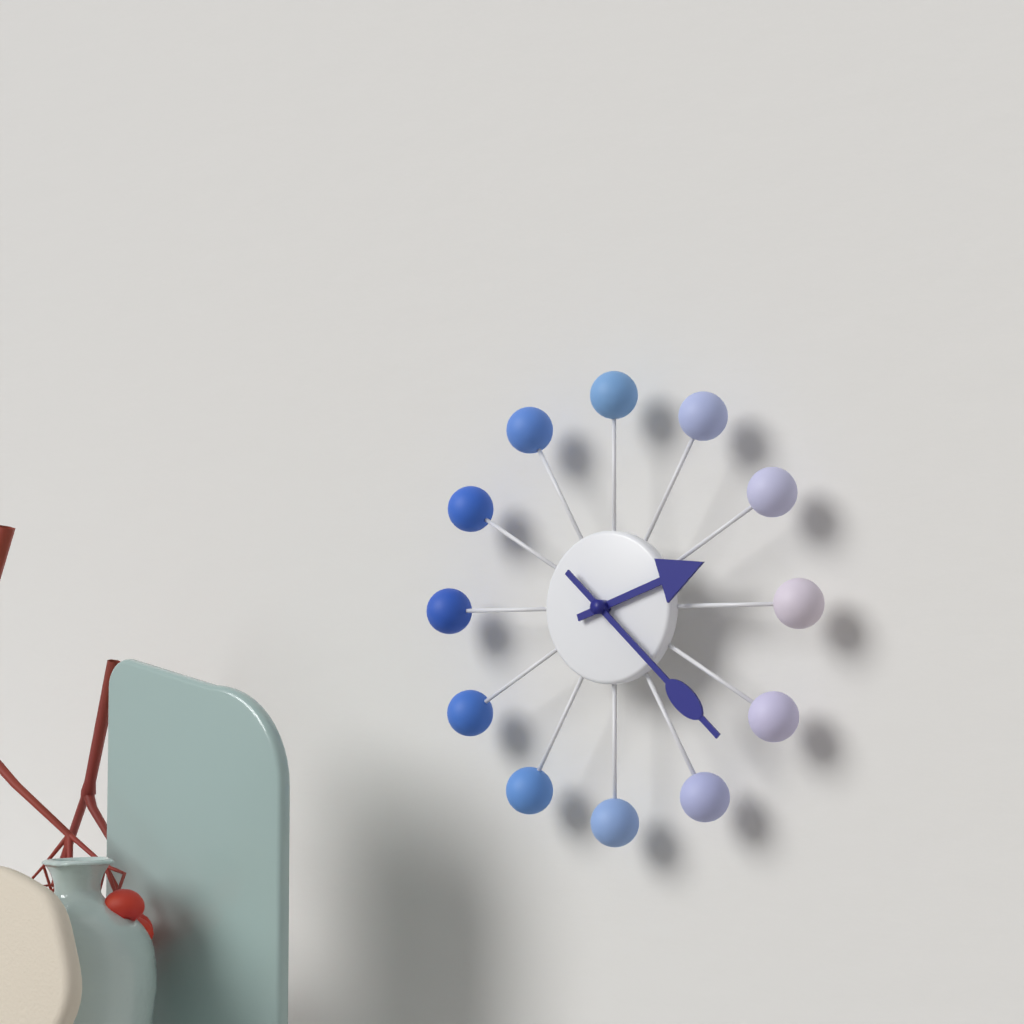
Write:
2,22
